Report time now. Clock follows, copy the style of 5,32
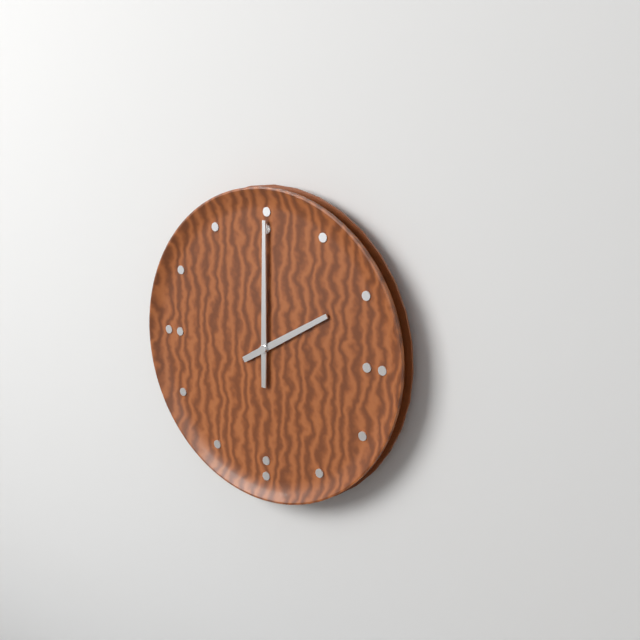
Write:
2,00
